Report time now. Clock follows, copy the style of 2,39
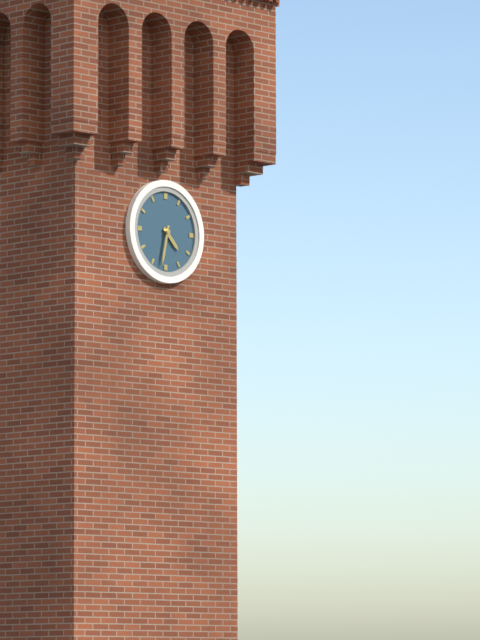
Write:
4,32
